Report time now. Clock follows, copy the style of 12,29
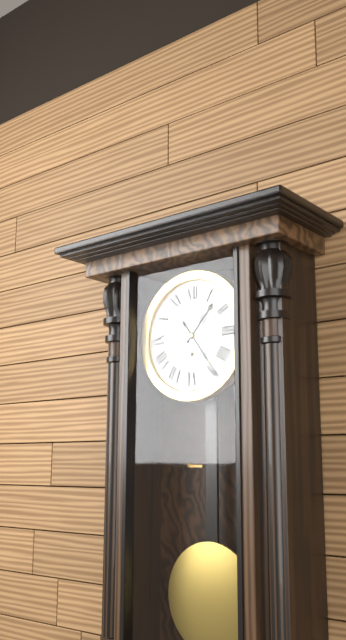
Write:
1,24
